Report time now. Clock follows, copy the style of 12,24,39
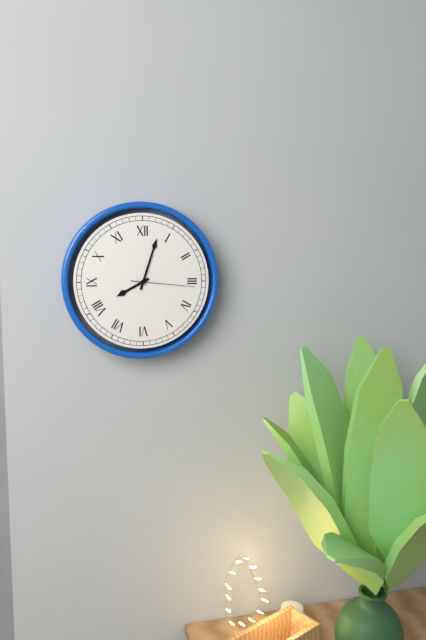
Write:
8,03,16
